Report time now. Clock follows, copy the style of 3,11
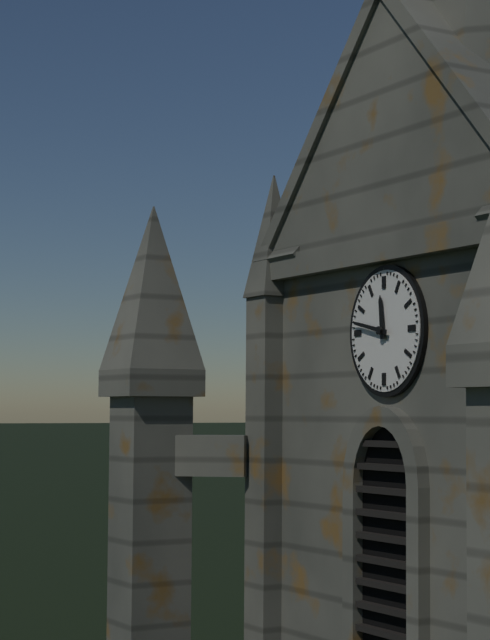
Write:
11,47
